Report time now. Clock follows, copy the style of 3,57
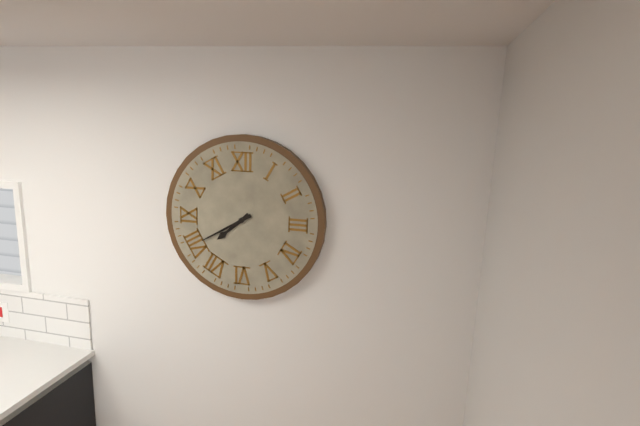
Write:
7,40
